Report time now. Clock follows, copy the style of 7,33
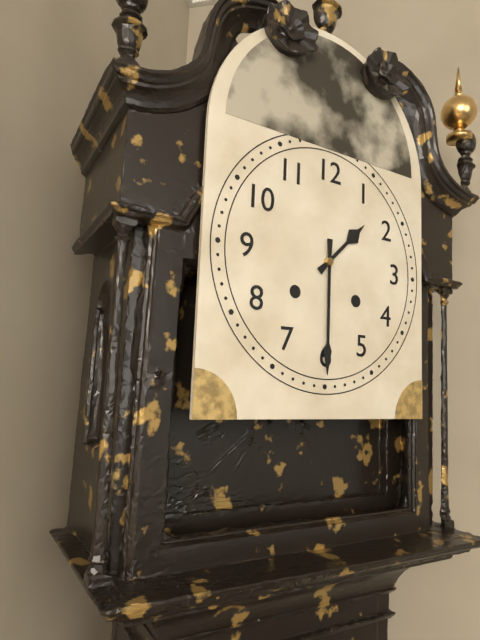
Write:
1,30
